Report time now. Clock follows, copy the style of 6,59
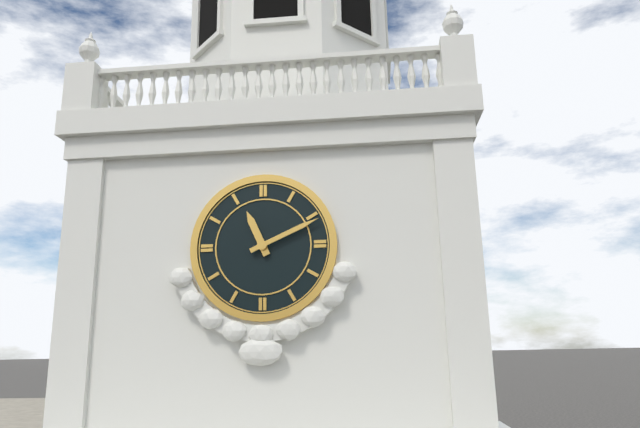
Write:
11,11
